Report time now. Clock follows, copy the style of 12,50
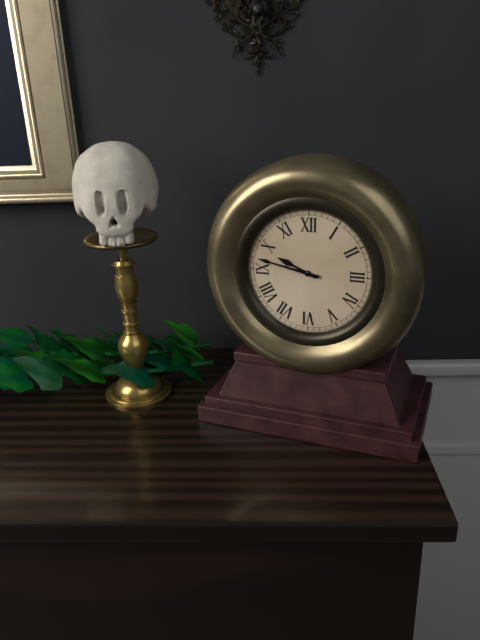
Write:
9,47
